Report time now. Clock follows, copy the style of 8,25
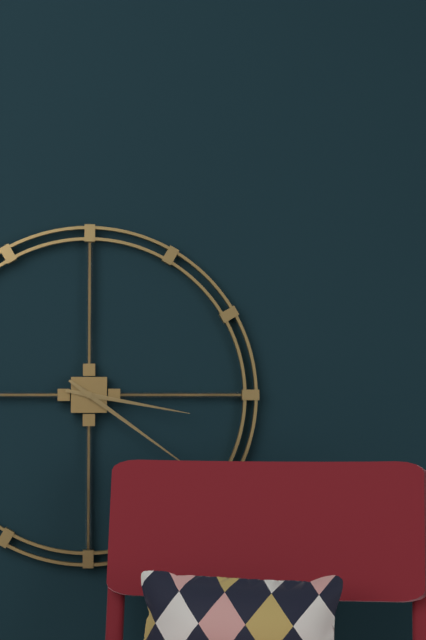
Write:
3,21
